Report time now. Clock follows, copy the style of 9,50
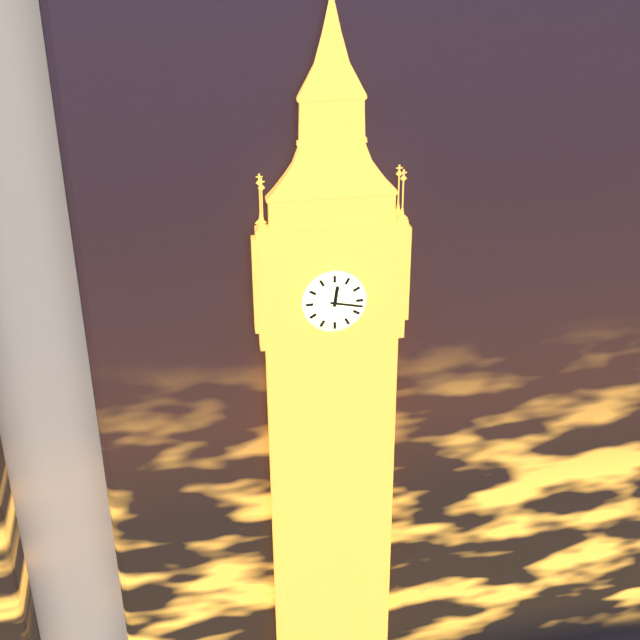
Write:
12,17
